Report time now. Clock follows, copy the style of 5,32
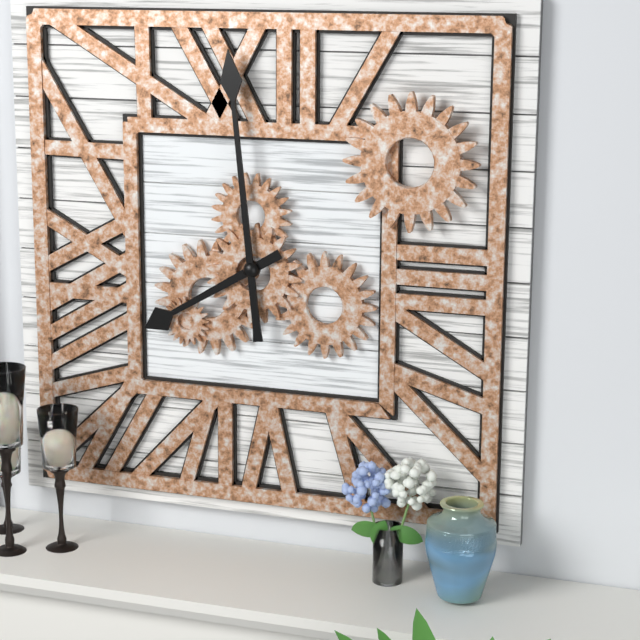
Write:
7,59
